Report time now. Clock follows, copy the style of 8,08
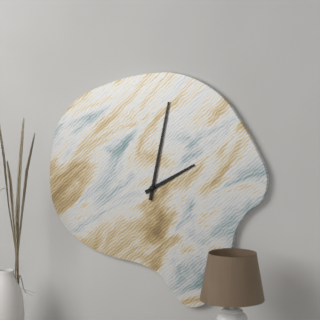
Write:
2,02
